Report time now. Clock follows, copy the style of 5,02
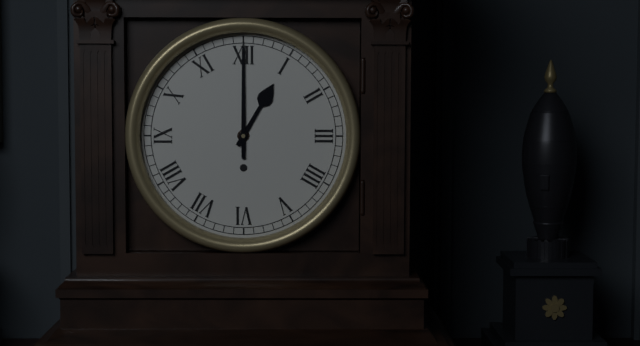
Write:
1,00
